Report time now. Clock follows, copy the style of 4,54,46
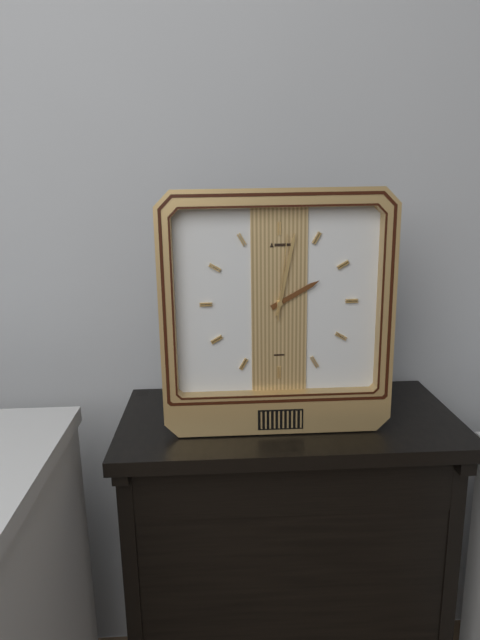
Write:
2,02,01
